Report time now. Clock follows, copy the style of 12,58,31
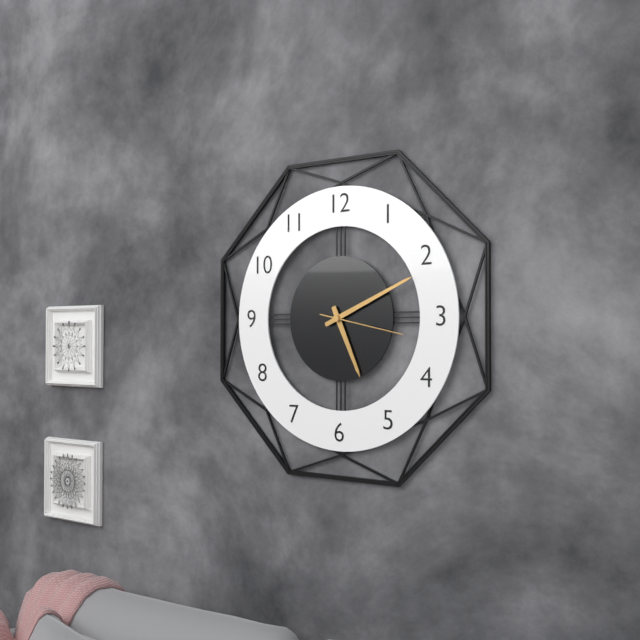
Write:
5,11,17
